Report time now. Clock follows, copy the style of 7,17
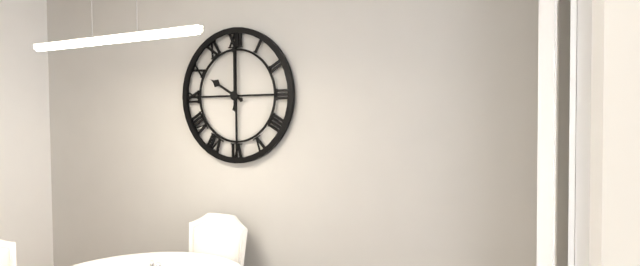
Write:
10,00
